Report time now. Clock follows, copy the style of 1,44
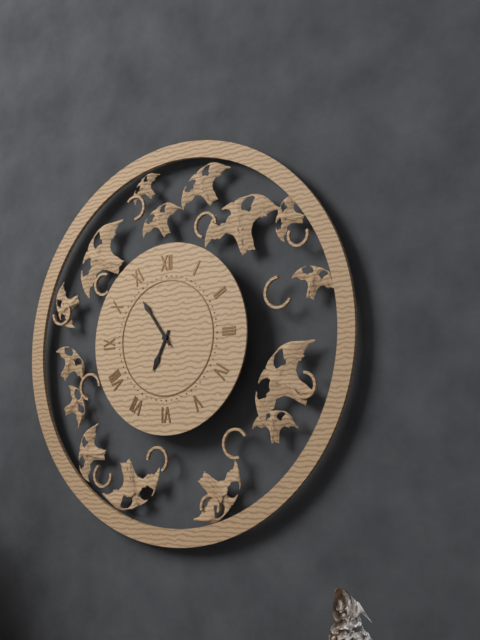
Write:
6,54
